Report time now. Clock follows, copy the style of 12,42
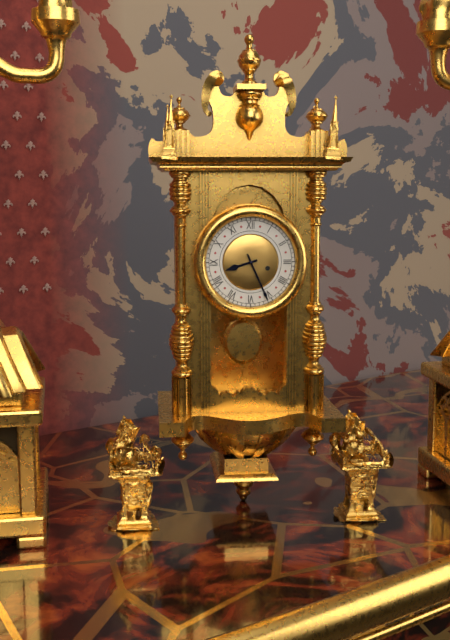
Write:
8,26
